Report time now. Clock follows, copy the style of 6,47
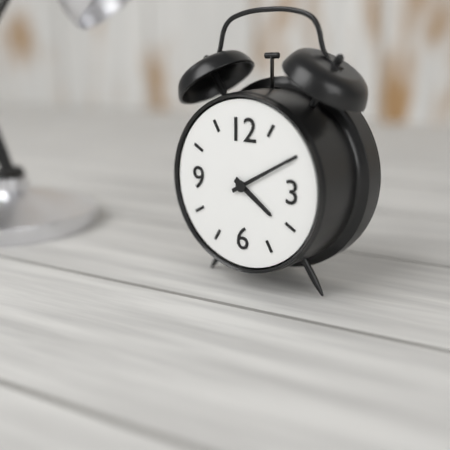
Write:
4,10
